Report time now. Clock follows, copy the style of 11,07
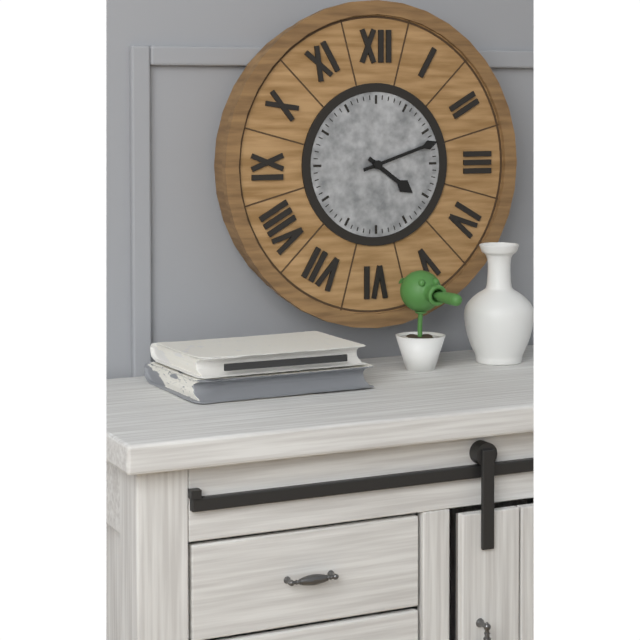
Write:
4,12
